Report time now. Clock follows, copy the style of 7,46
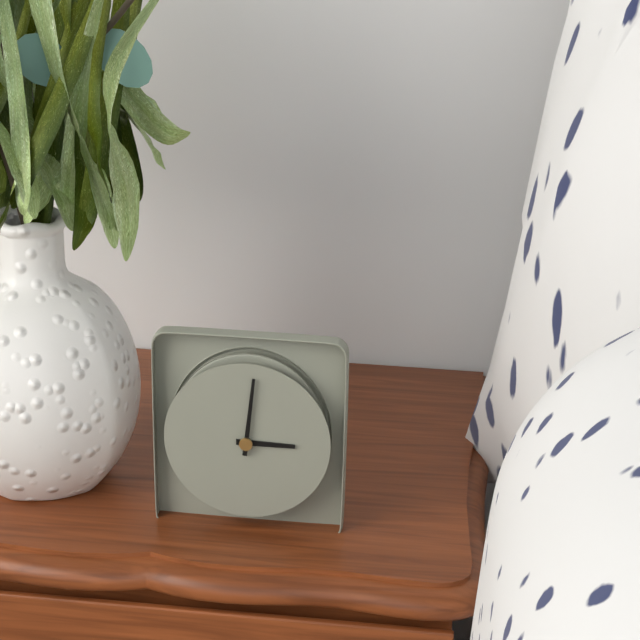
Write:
3,01
